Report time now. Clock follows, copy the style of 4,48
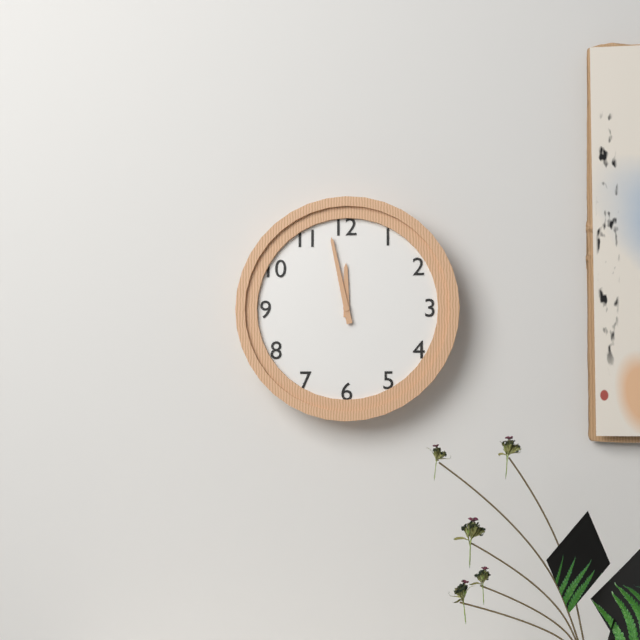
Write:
11,58
